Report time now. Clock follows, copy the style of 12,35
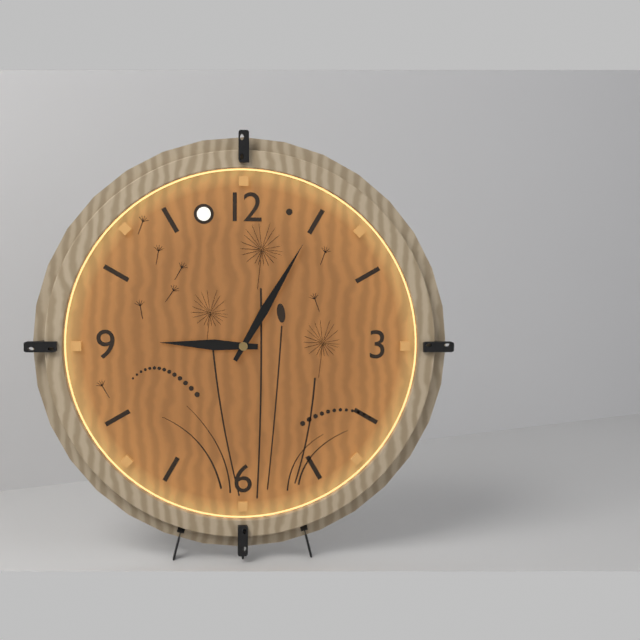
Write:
9,05
